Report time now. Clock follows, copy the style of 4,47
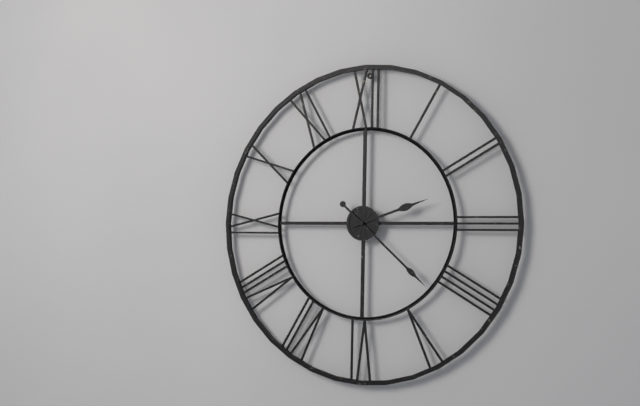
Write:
2,22
